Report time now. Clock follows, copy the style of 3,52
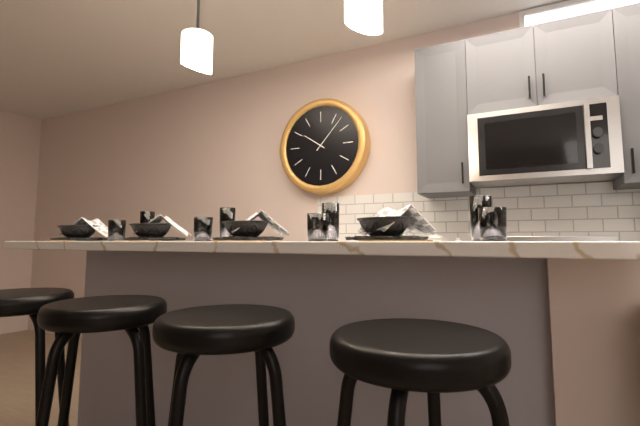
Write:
10,07
